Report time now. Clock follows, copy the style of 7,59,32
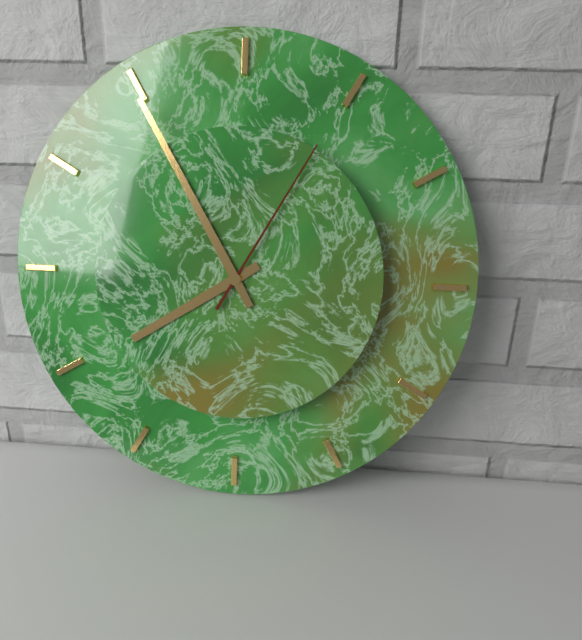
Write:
7,55,05
